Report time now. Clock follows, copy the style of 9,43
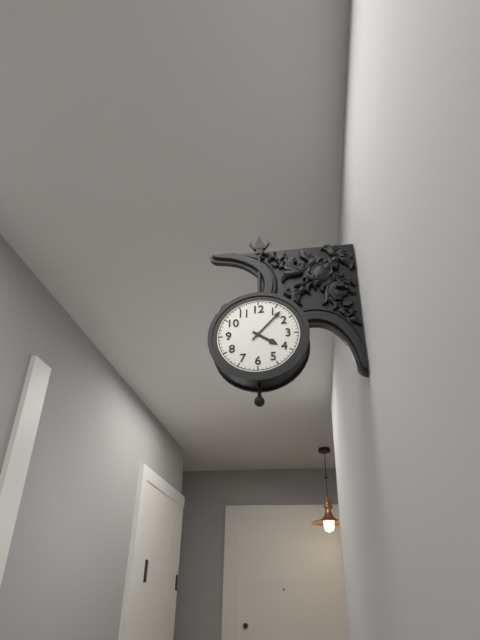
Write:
4,07
